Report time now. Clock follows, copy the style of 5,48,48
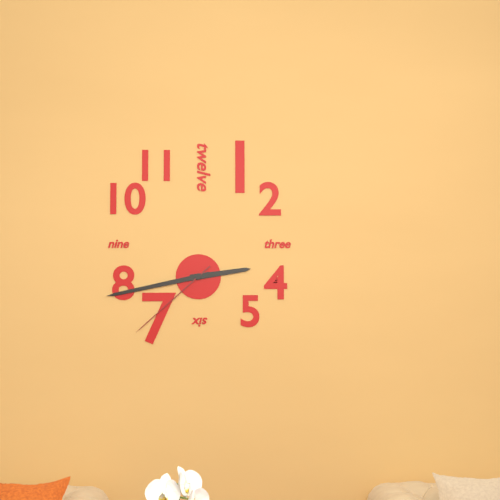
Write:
2,43,38
